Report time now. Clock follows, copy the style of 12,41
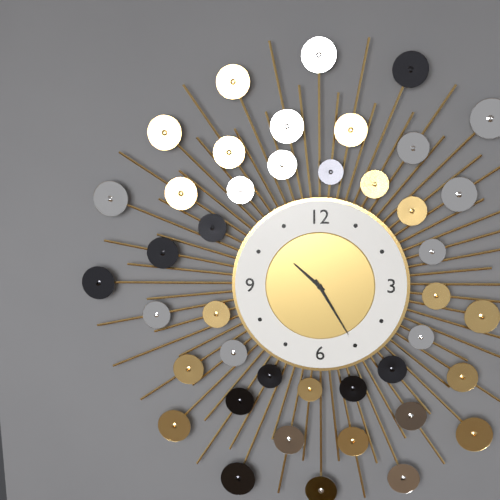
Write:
10,25
